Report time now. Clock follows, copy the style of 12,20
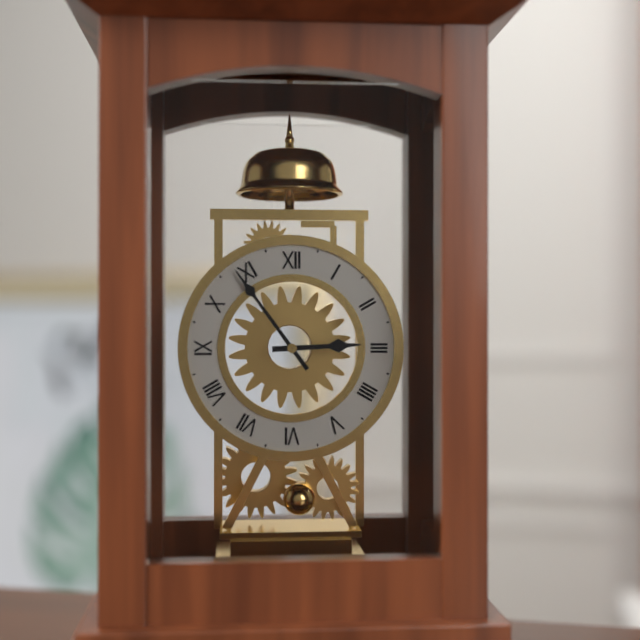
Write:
2,54
